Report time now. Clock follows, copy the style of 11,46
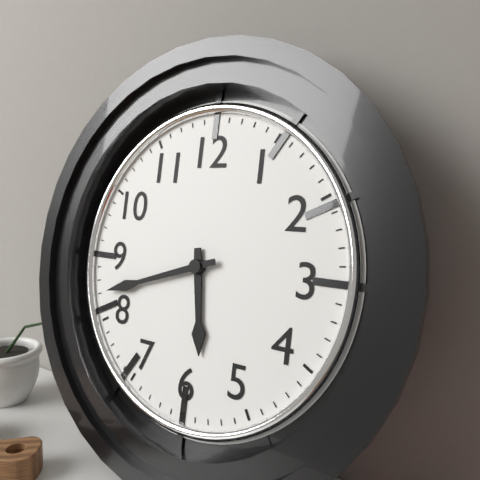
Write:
5,42
